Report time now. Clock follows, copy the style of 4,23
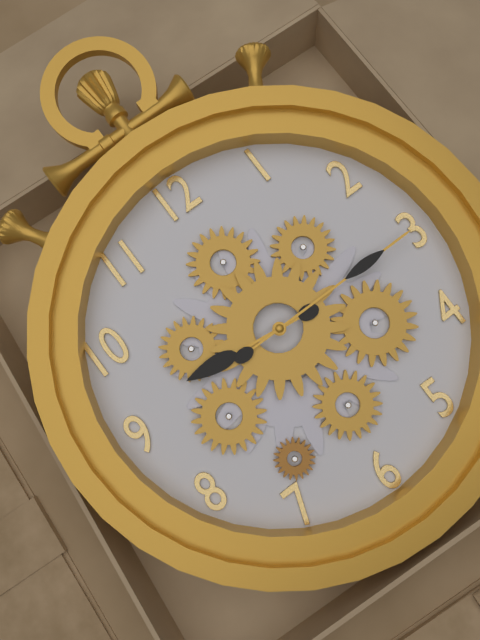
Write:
9,15
